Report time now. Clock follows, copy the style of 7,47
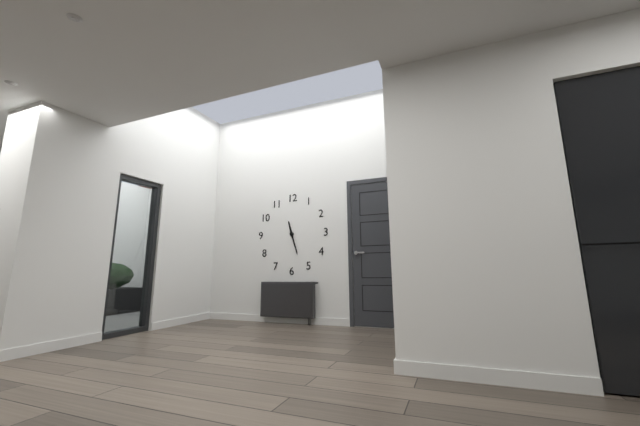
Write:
11,27
